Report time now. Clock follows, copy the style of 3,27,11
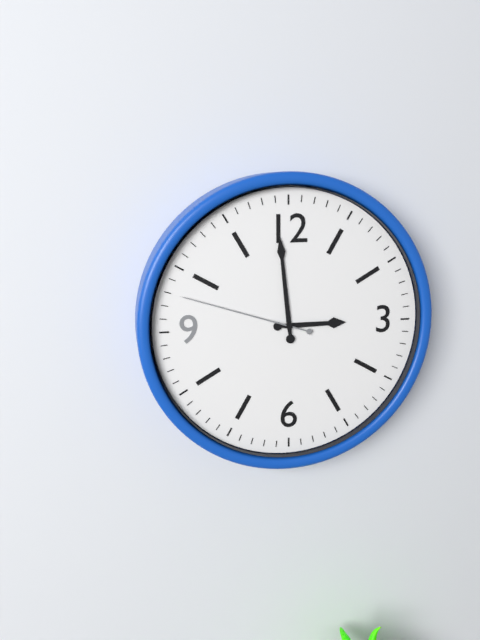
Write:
2,59,48
